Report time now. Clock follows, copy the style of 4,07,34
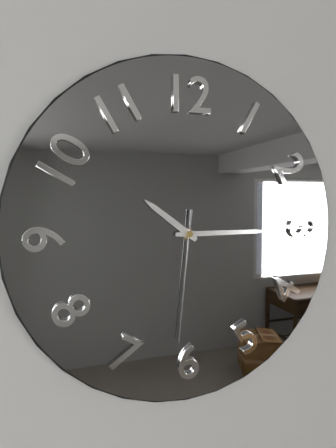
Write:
10,15,31
